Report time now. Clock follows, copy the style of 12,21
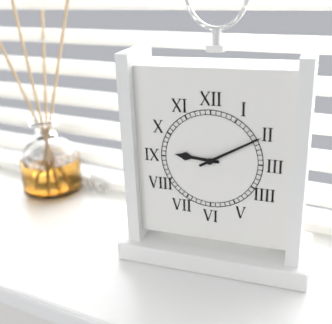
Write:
9,10
